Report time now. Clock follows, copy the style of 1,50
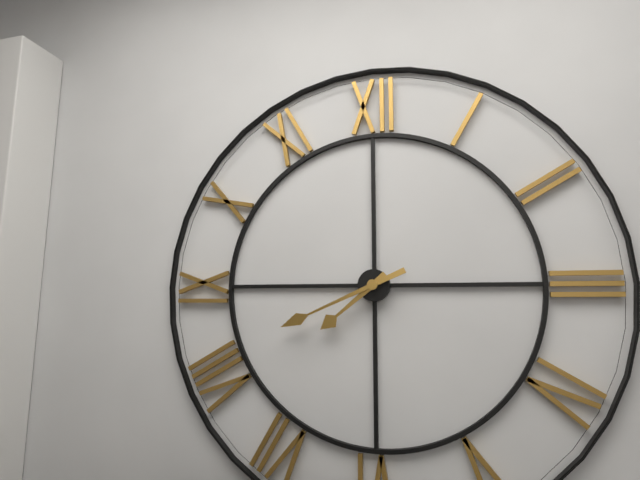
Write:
7,41
